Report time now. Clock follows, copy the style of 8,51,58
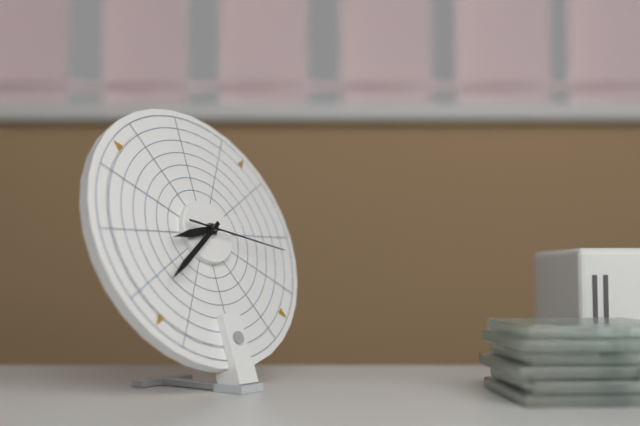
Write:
8,39,17
